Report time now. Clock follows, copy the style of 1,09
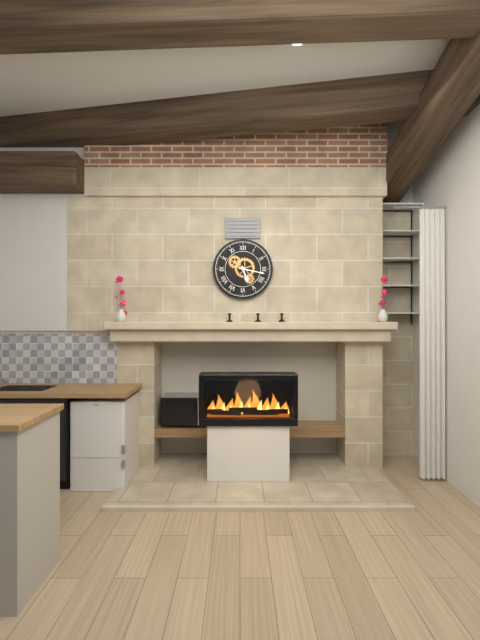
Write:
5,17
